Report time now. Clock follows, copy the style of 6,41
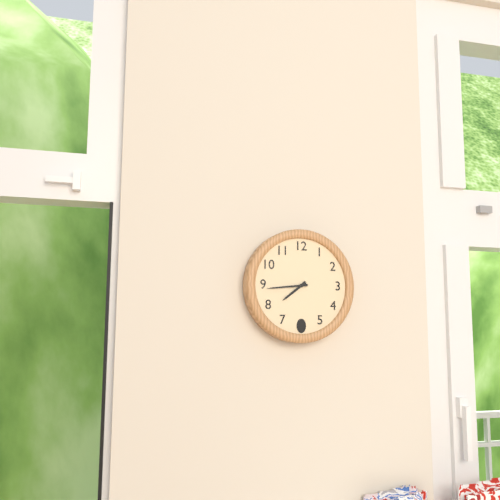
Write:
7,44
